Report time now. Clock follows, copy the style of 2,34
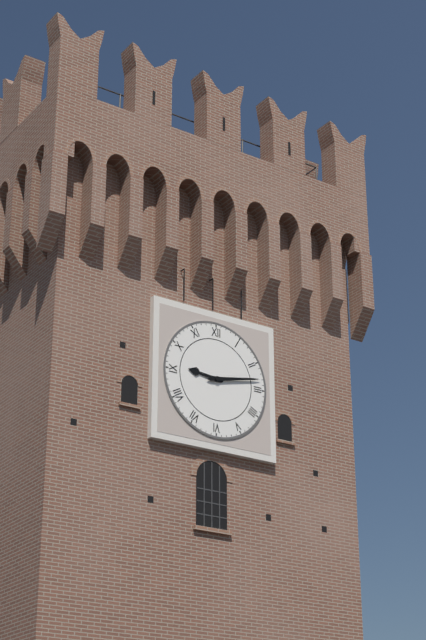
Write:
9,13
